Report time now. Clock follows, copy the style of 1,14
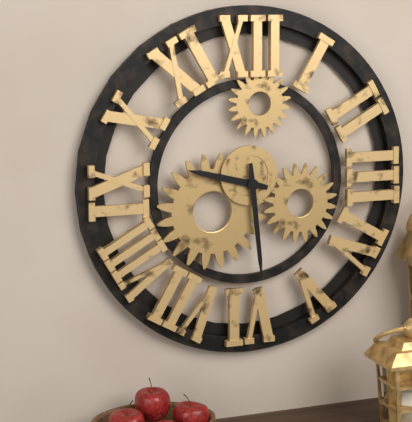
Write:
9,29
